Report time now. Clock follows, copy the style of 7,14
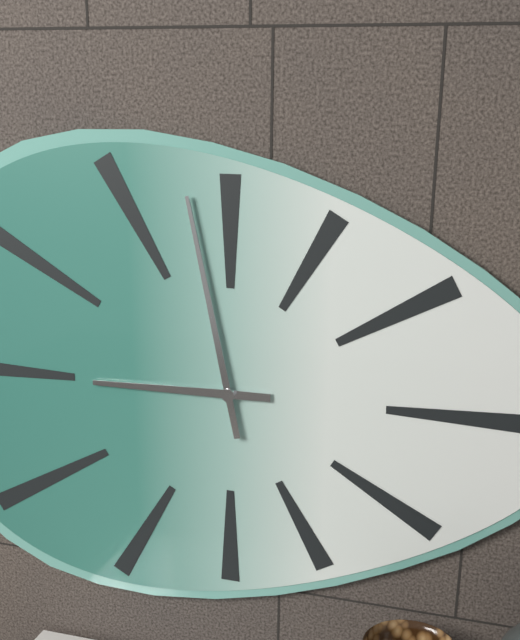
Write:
8,58
